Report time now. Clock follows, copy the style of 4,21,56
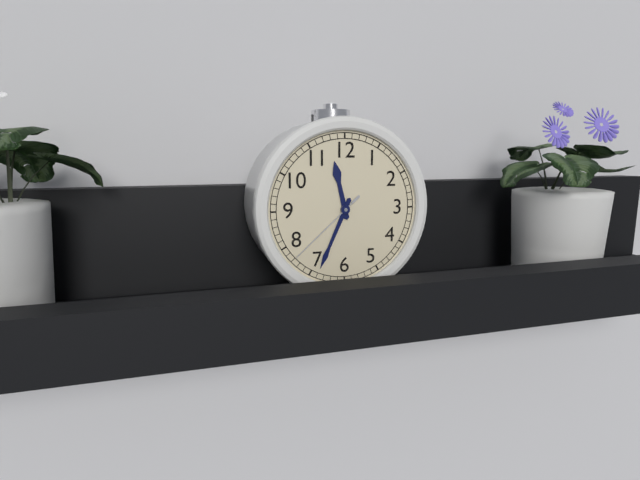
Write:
11,34,38
